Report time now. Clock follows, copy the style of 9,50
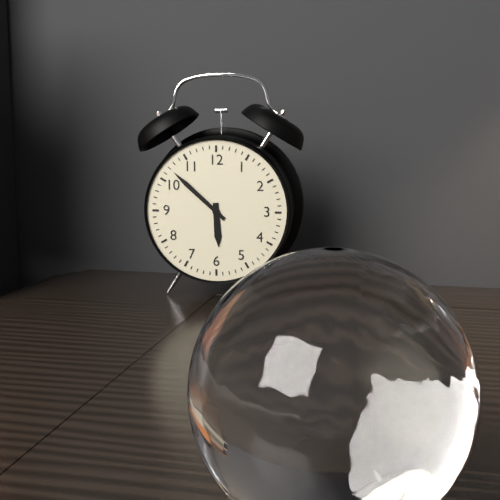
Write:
5,52
